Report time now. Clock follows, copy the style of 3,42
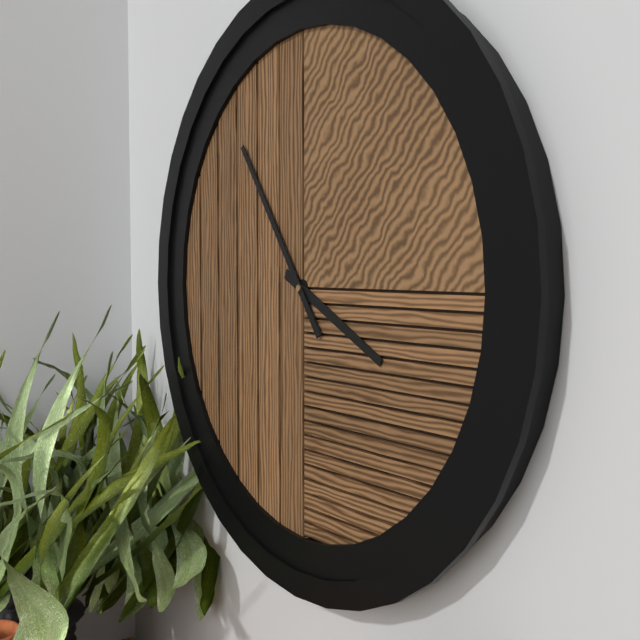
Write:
3,54
